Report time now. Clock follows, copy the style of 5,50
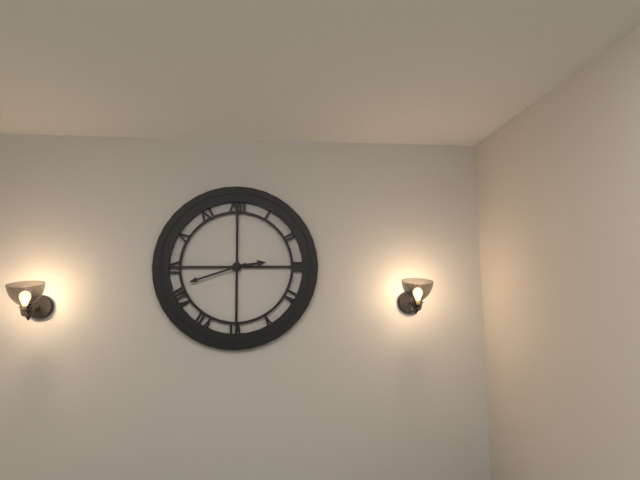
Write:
2,42
